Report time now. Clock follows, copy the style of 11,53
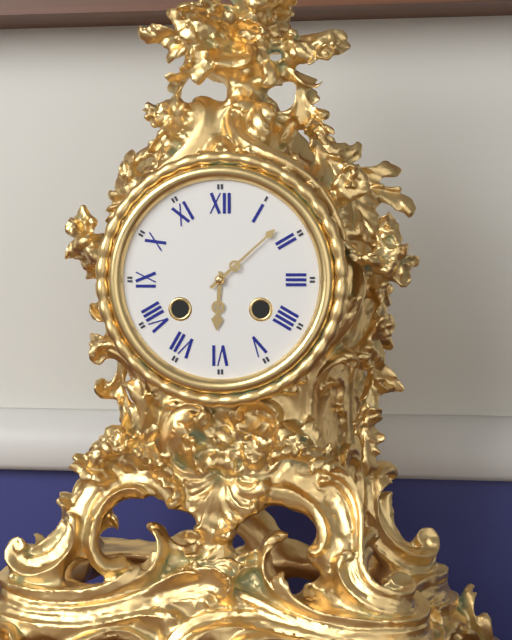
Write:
6,08
